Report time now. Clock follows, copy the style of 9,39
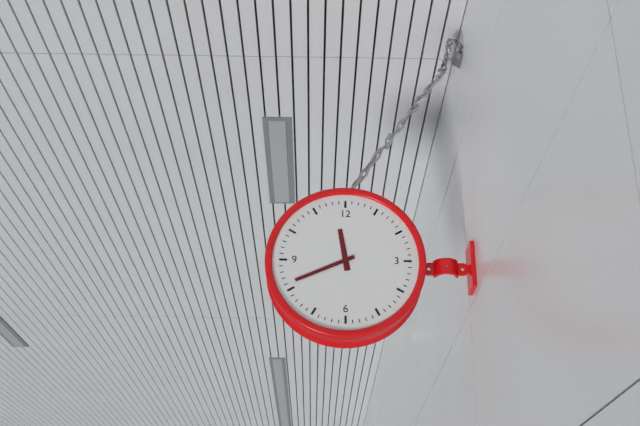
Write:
11,41
